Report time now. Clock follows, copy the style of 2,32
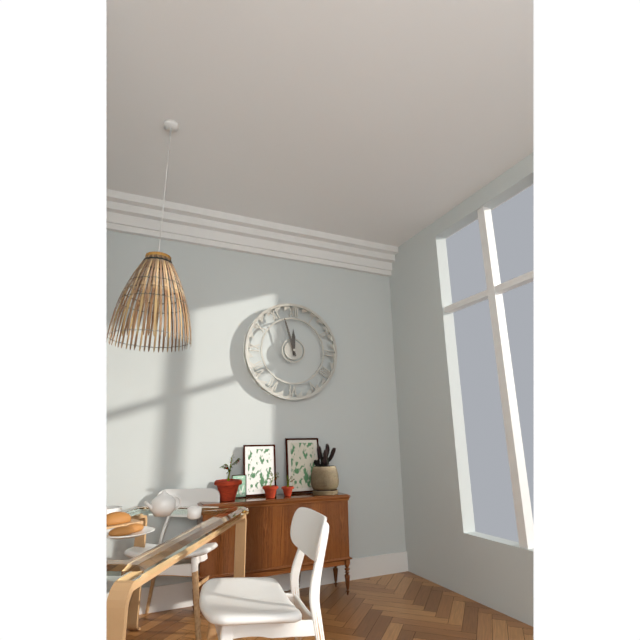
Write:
11,57
